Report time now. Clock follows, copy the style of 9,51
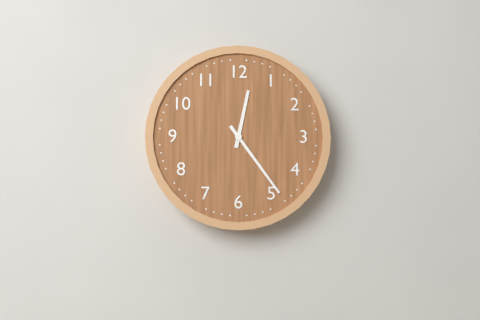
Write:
12,24
